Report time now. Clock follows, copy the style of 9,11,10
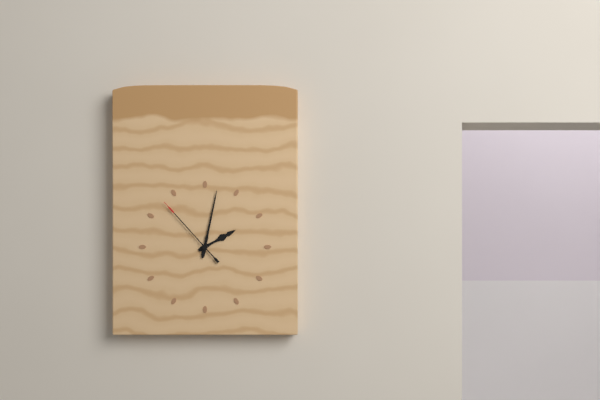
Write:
2,02,53
